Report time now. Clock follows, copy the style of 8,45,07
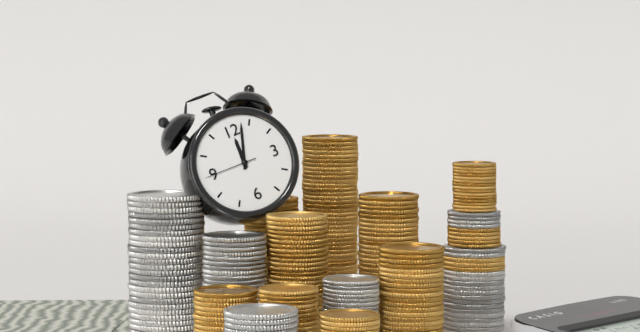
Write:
12,03,45
